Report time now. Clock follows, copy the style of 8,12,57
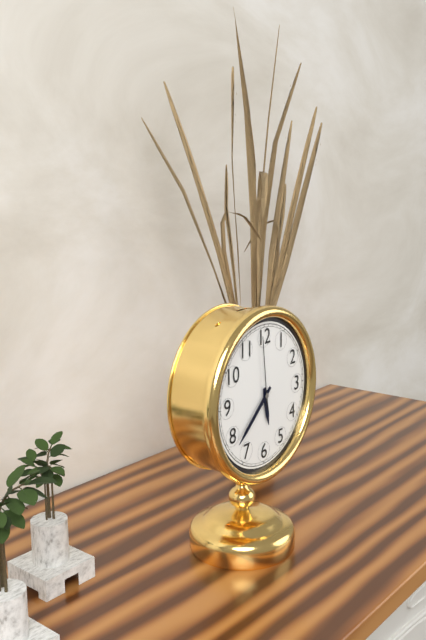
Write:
5,38,59
